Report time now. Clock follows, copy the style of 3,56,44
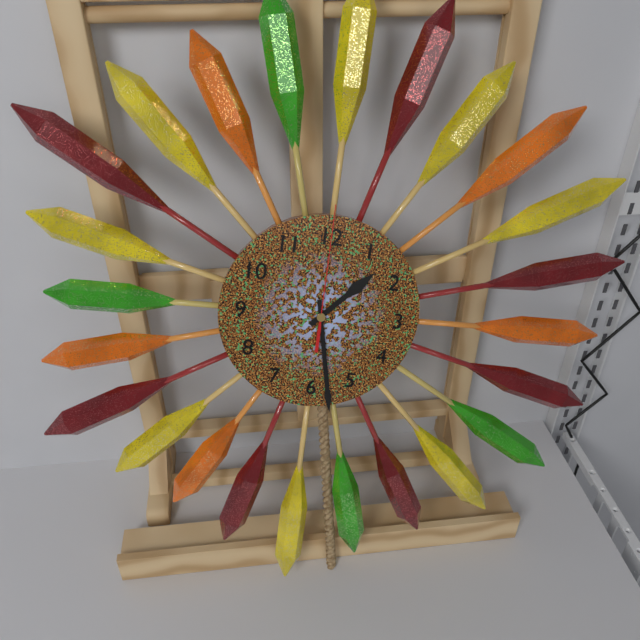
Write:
1,28,00
